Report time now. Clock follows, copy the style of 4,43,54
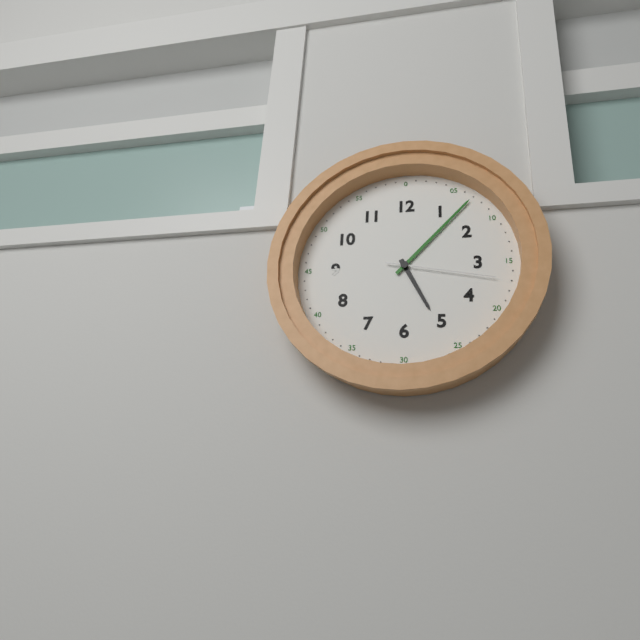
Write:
5,07,17
